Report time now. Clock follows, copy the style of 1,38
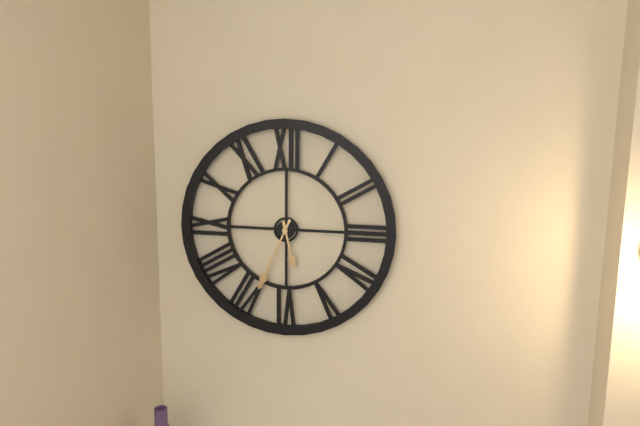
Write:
5,34
